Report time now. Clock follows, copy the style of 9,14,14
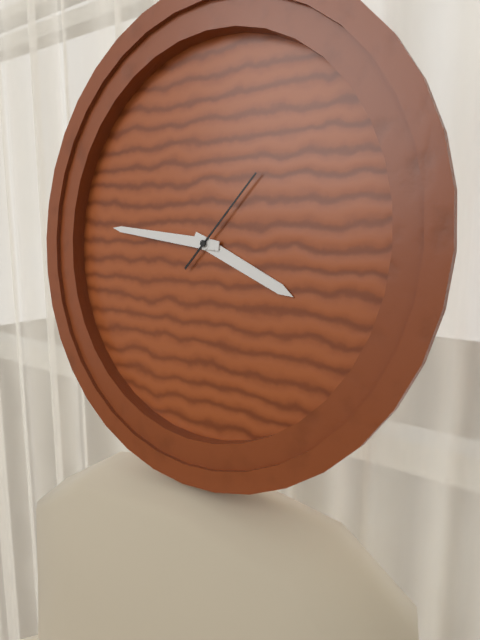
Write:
3,46,07
